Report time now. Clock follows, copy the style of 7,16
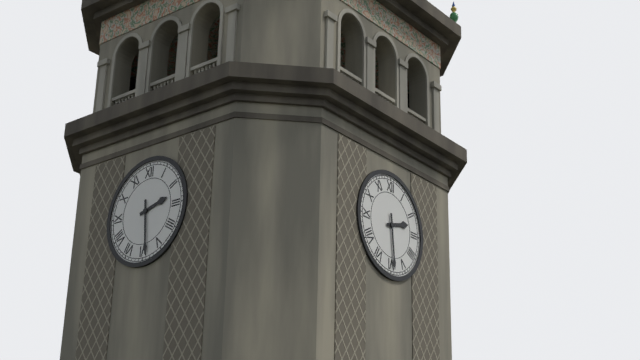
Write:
2,29
